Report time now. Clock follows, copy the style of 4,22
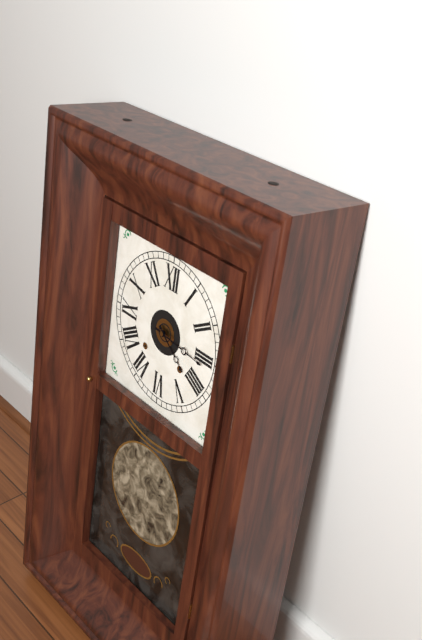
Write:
4,16
